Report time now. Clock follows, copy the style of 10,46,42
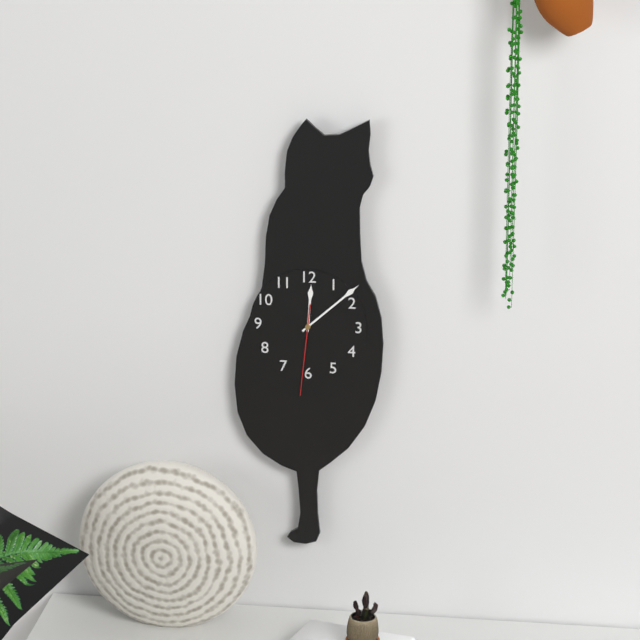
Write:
12,08,31
